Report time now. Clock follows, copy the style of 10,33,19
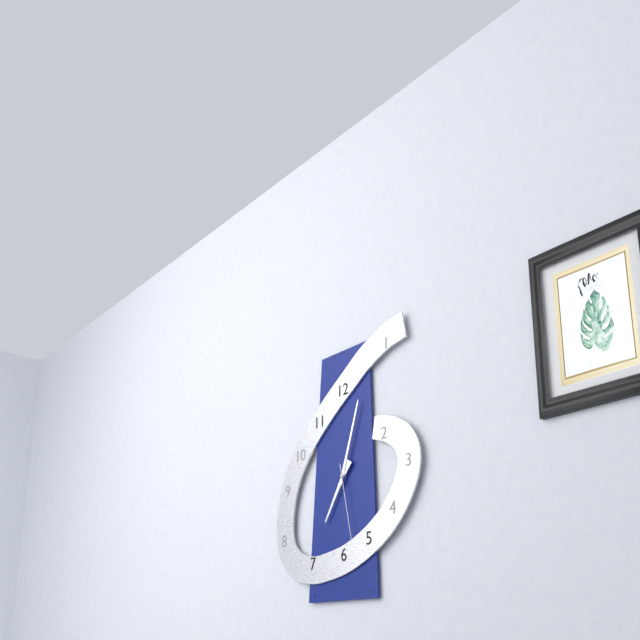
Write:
7,03,28
